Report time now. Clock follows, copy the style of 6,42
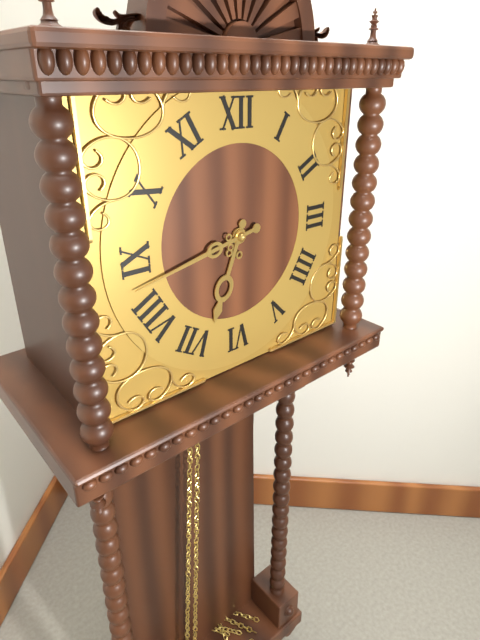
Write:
6,43
